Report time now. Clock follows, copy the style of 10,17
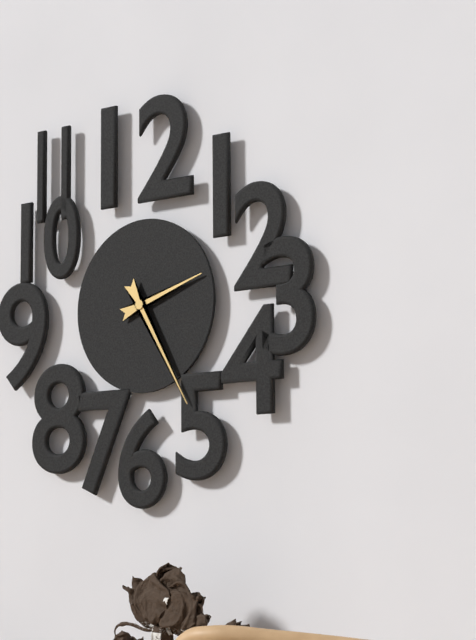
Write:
2,25
